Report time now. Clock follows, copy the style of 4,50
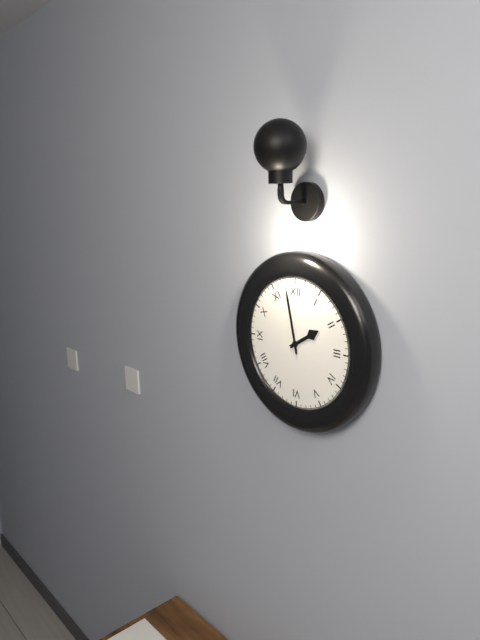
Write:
1,58
